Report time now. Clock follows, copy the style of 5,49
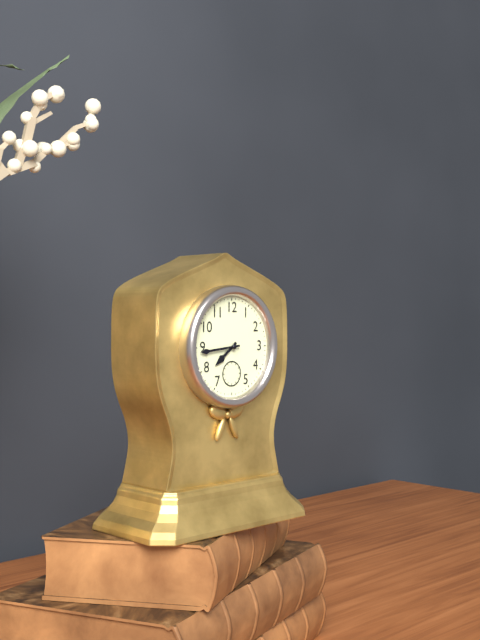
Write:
7,44
